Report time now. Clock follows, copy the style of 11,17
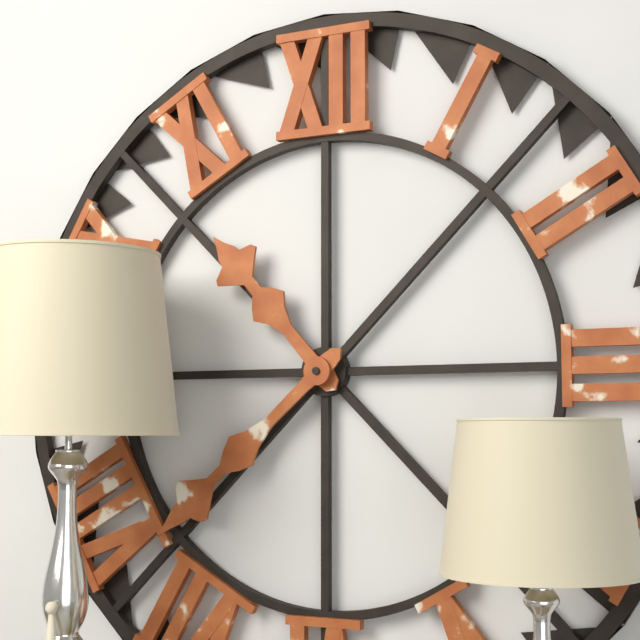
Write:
10,38
